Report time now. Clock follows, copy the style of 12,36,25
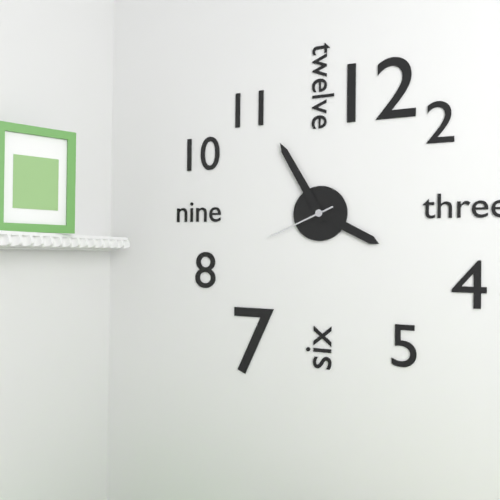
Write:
3,55,41
